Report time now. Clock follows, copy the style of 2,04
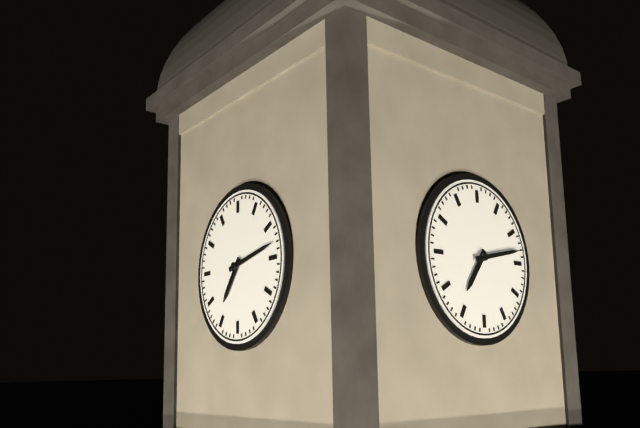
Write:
7,13
